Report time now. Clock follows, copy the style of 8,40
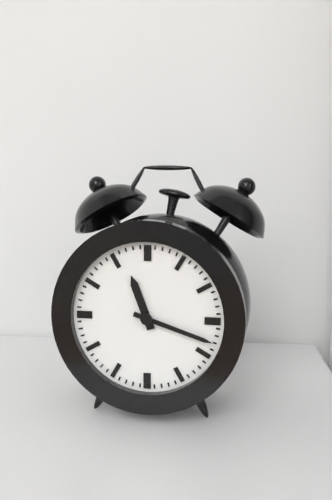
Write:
11,18
